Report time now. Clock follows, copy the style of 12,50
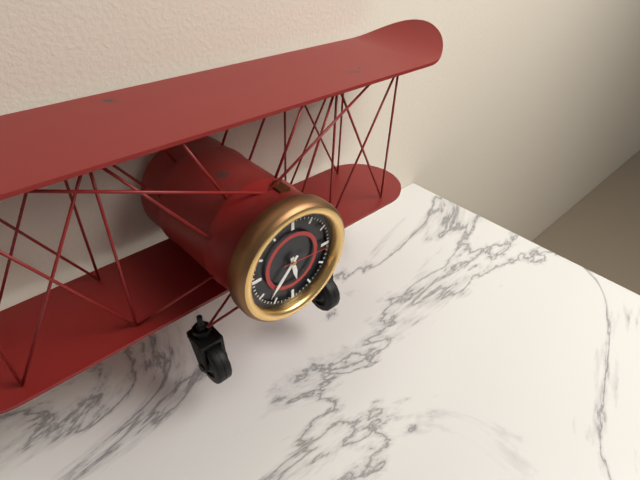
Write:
5,37
